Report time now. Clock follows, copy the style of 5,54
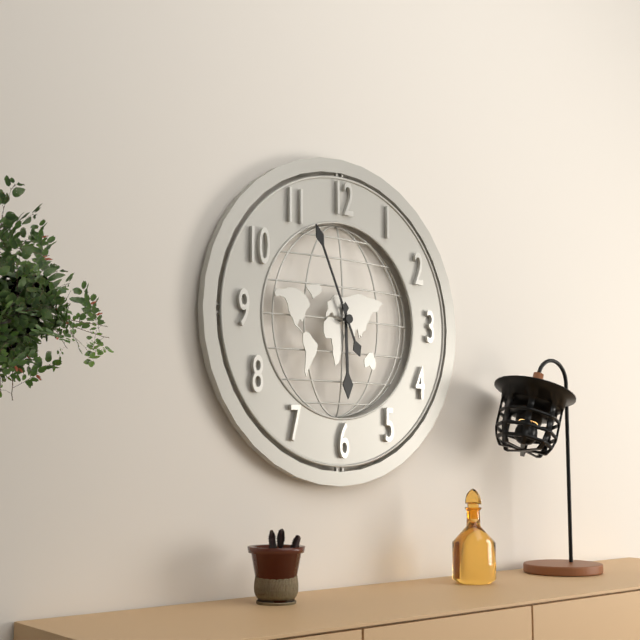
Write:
5,56
